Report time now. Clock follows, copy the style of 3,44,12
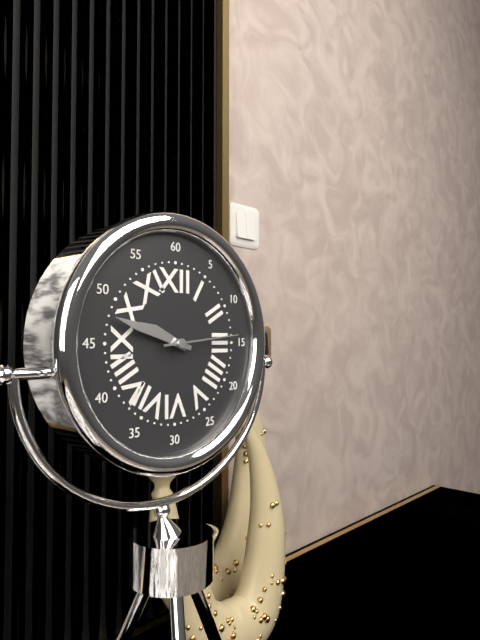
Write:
9,48,14
